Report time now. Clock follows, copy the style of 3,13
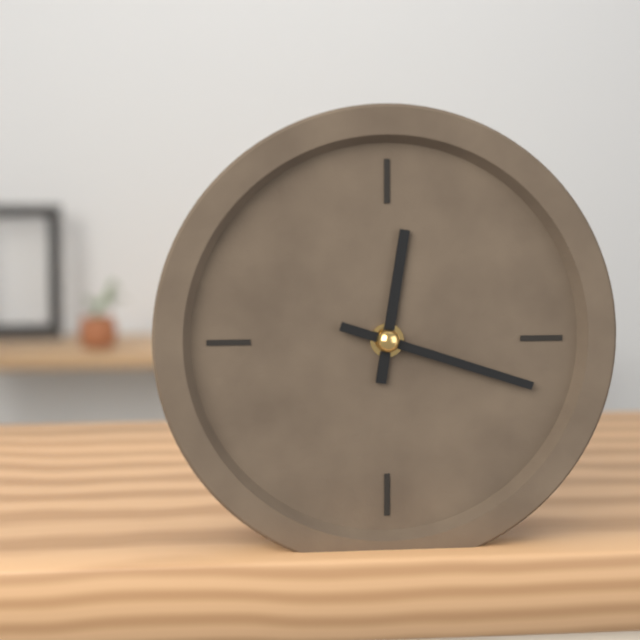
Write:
12,18
